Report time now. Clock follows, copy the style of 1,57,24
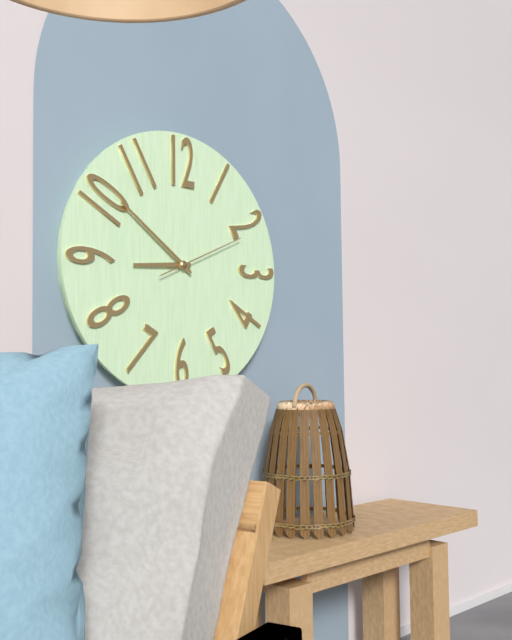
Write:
8,51,11
